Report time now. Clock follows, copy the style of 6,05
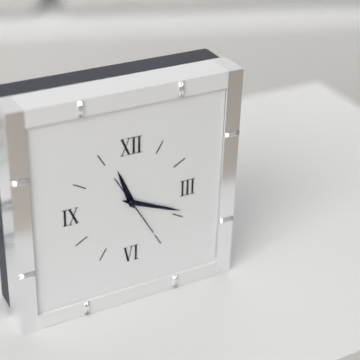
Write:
11,19
